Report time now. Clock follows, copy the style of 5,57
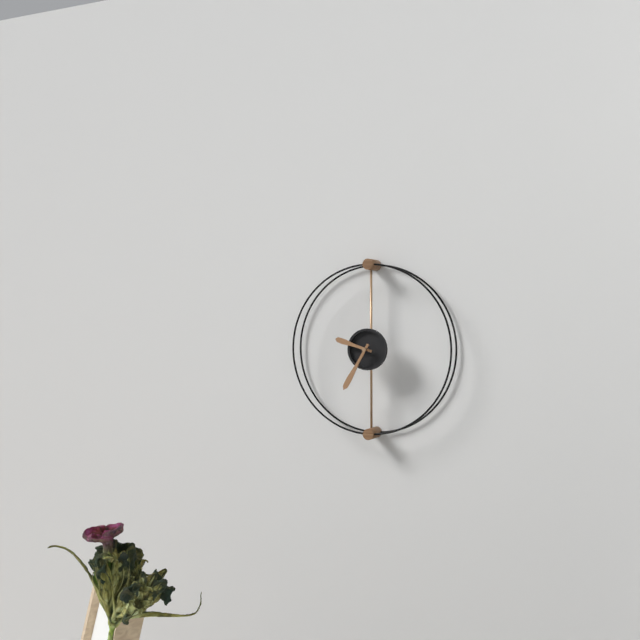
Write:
9,35
